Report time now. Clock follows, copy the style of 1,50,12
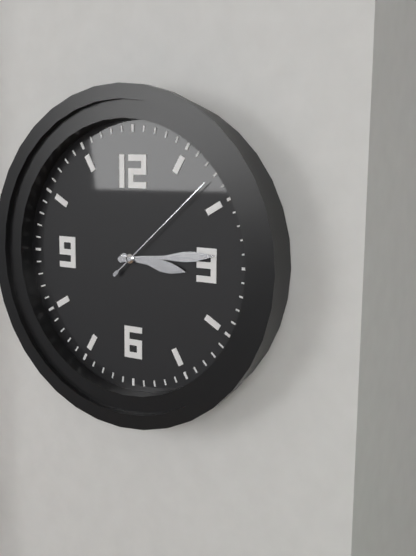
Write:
3,14,08
